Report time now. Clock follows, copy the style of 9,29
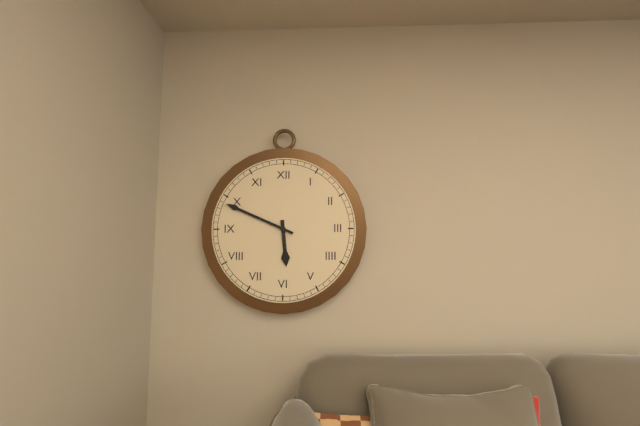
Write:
5,49
